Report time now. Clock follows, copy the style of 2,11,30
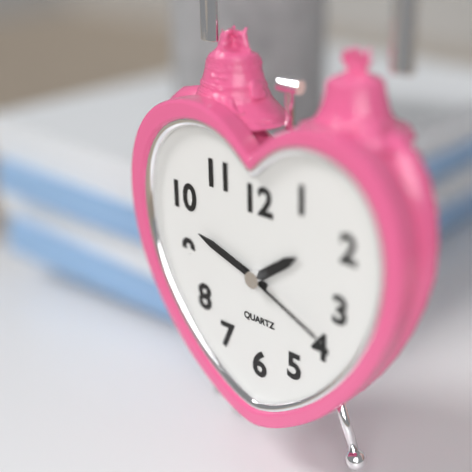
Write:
1,48,19
